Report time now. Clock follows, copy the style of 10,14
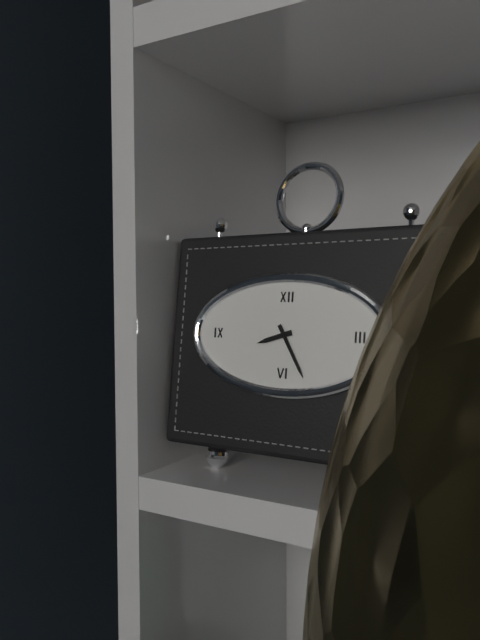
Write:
8,25
